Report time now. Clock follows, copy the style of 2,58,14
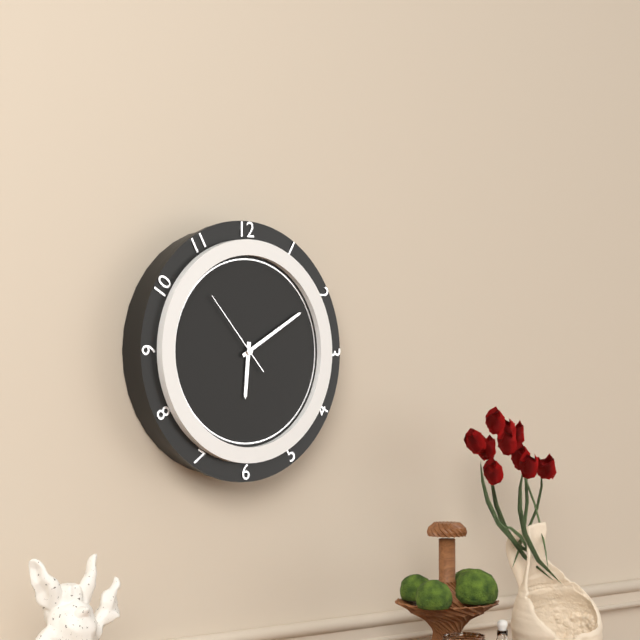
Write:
6,10,53
